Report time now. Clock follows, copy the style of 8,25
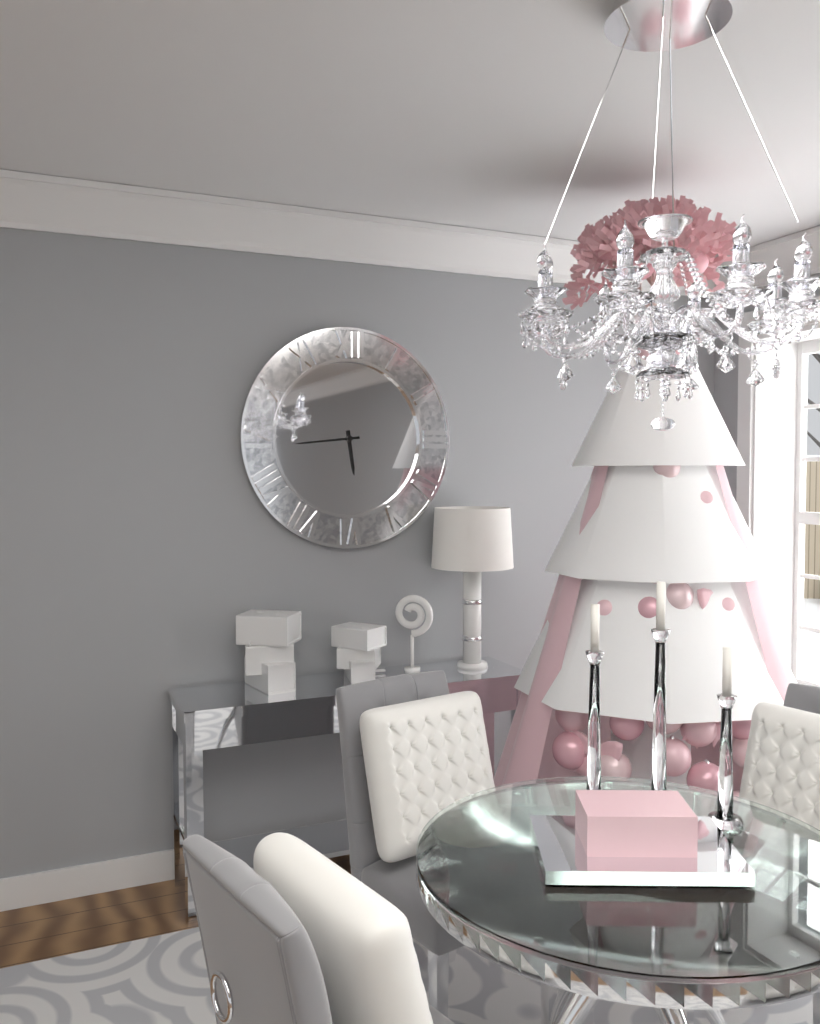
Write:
5,44
